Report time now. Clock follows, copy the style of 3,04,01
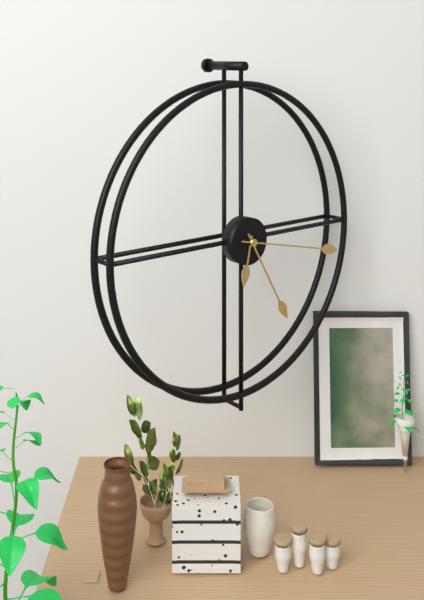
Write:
6,25,17
